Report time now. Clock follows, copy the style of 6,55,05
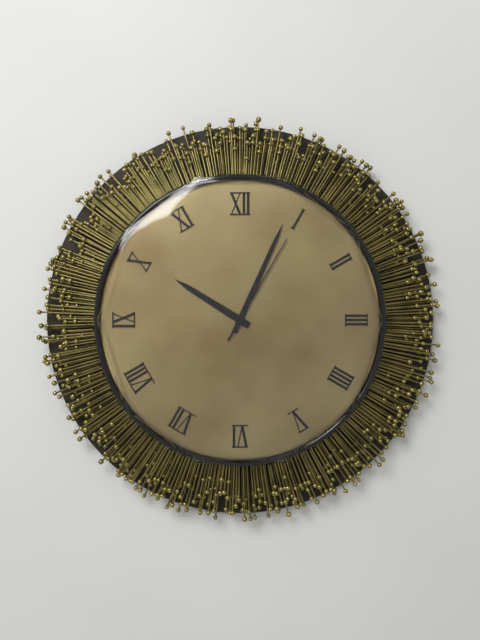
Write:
10,04,05
